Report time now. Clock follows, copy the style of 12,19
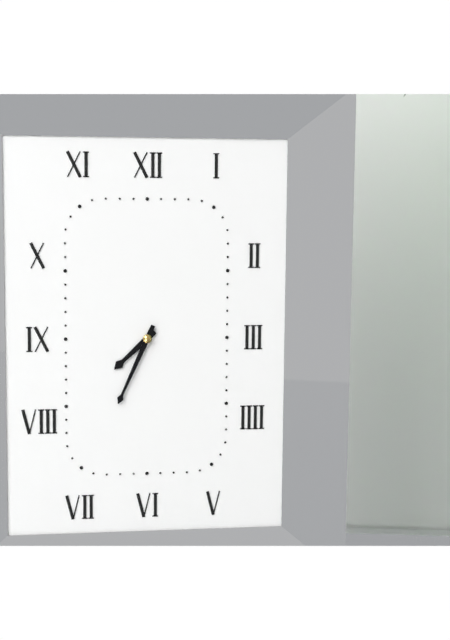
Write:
7,34
